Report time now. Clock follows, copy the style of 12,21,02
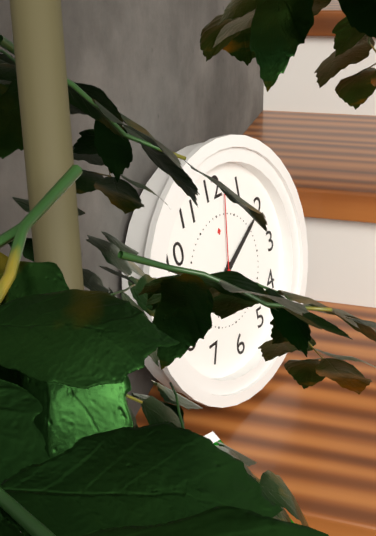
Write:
7,10,02
